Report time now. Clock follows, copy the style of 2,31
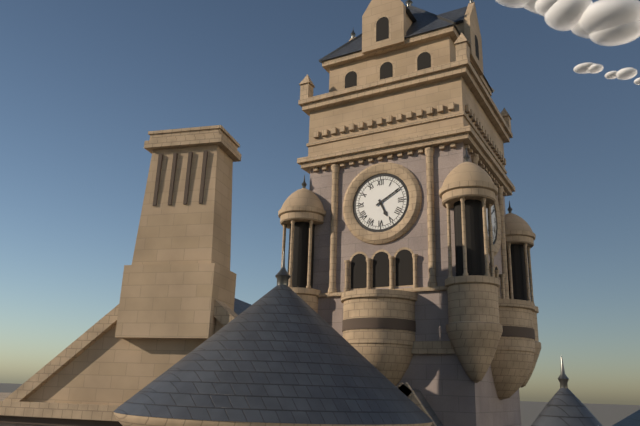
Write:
5,10
